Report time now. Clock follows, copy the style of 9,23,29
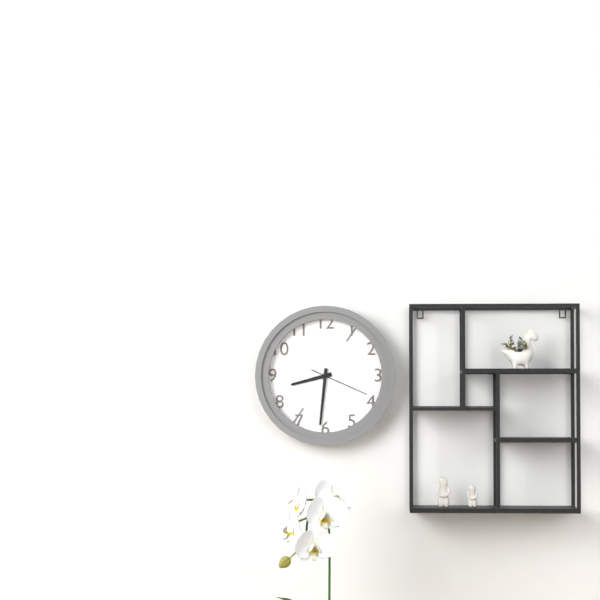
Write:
8,31,19
